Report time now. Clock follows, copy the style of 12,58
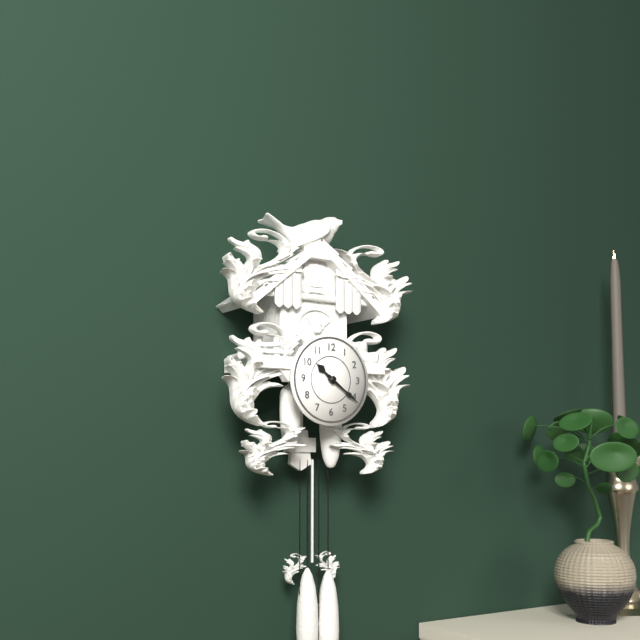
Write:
10,21
